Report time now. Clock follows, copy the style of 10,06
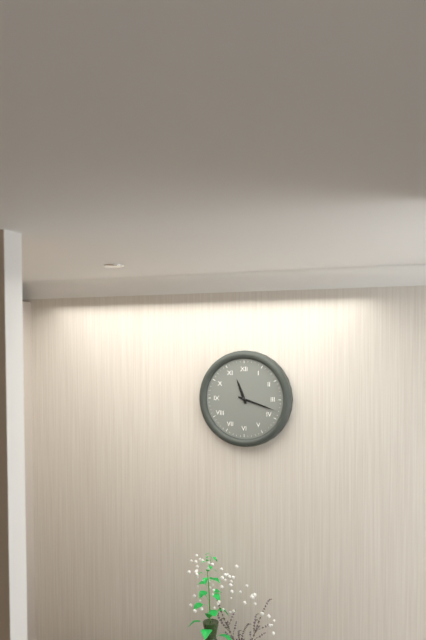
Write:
11,18
